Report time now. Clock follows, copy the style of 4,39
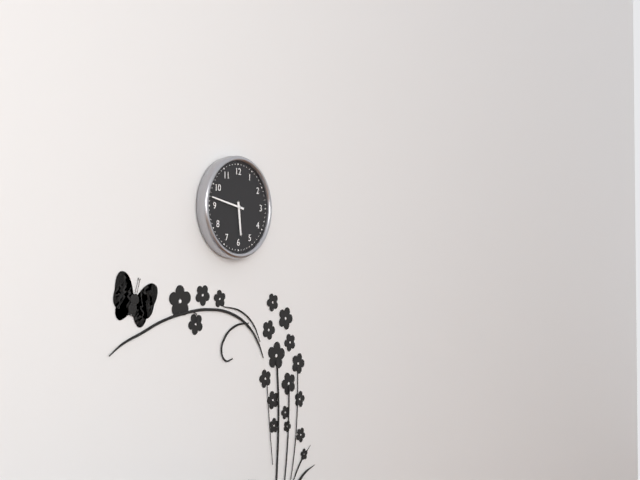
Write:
5,47
